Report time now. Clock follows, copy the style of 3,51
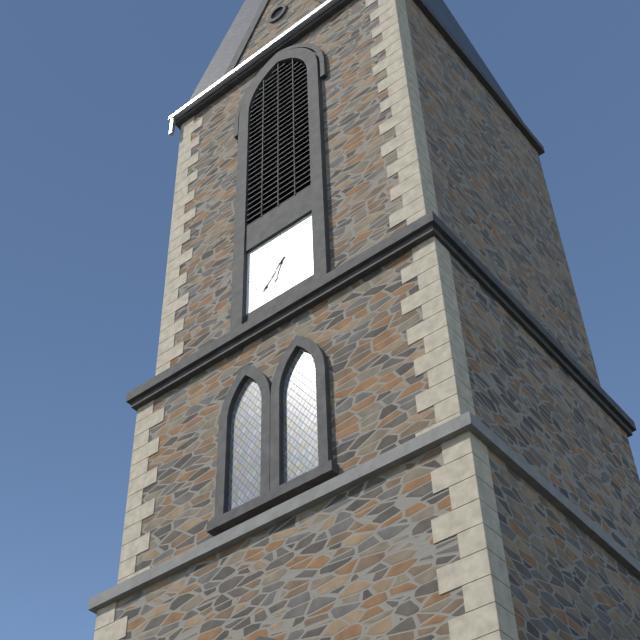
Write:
6,37
